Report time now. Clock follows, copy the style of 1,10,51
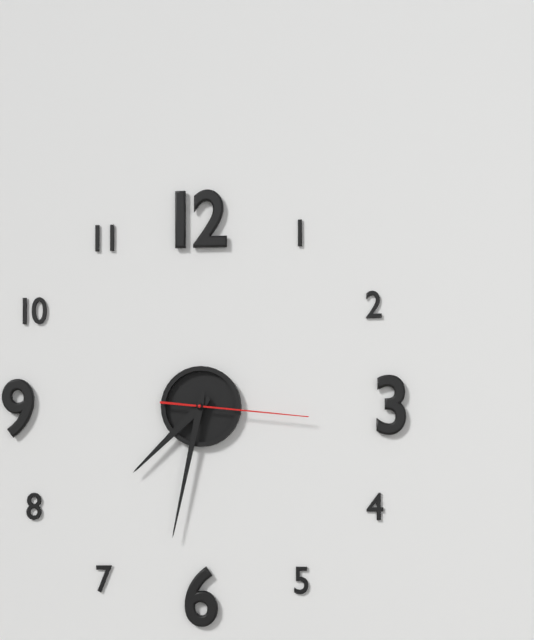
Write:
7,32,16
